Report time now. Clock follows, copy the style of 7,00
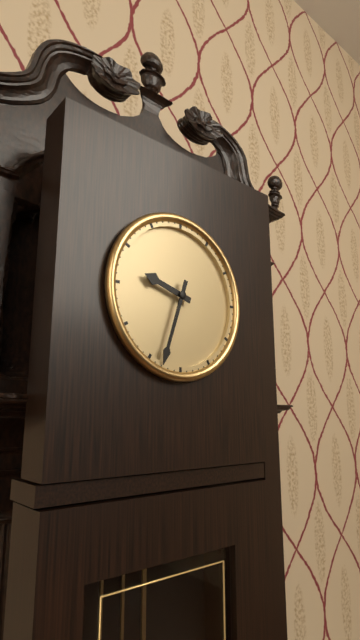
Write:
9,33
